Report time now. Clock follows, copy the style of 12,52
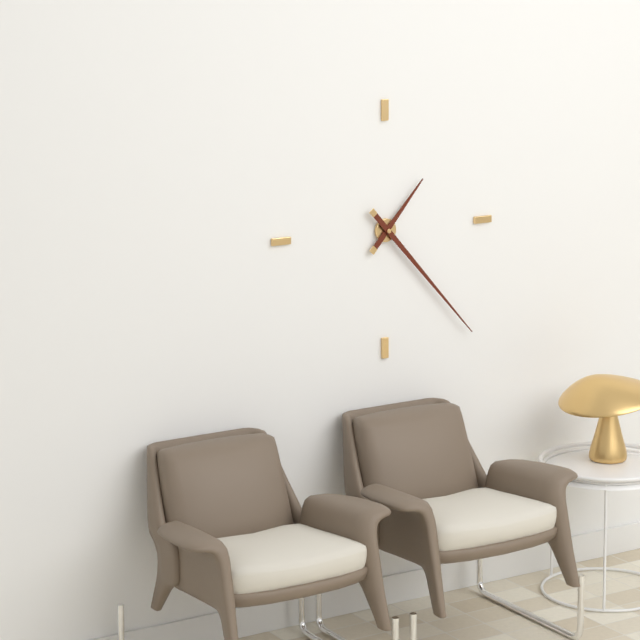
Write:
1,23
